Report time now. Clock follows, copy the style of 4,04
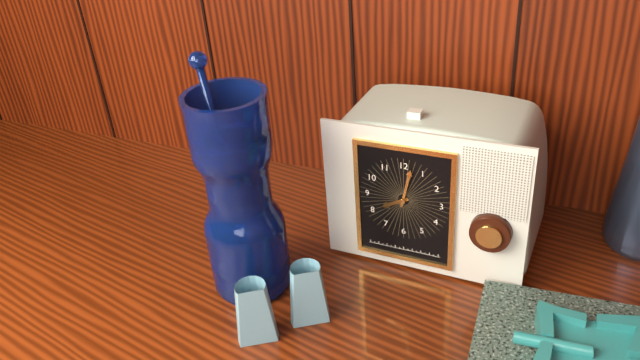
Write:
8,02
